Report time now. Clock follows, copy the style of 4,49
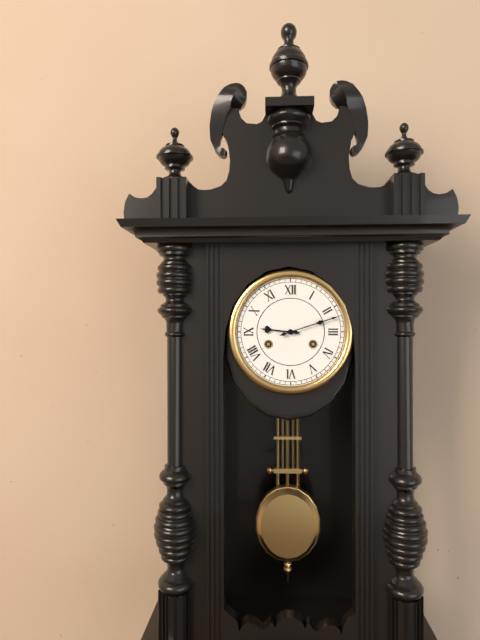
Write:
9,12
